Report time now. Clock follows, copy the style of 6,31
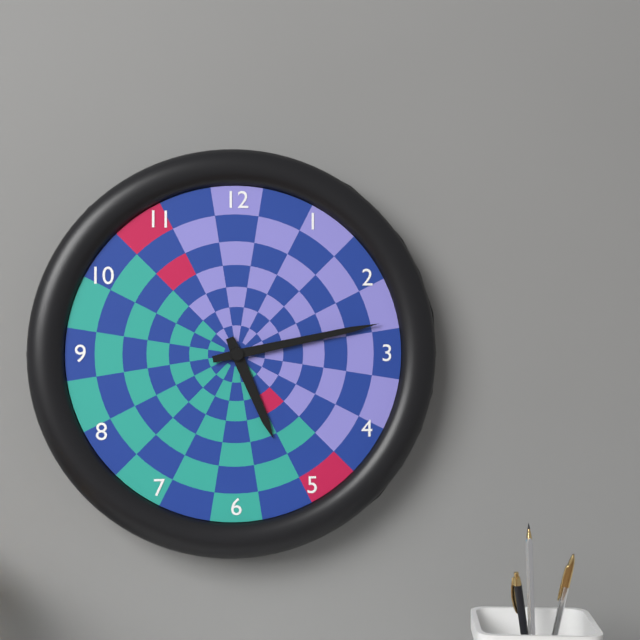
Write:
5,13
